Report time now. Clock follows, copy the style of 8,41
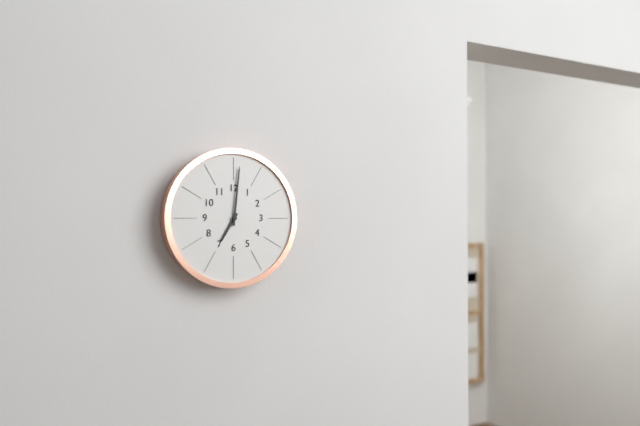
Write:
7,01
